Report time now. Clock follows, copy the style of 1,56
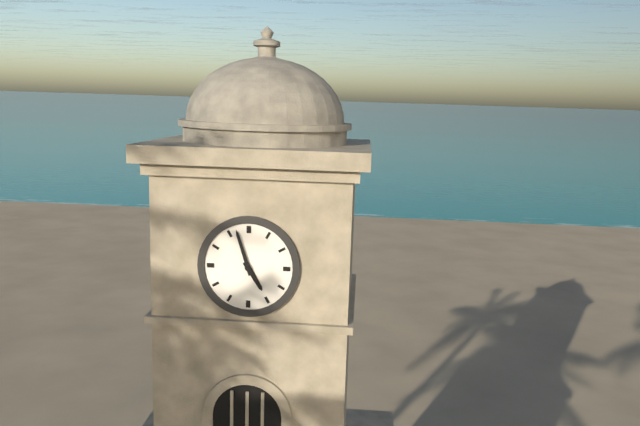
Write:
4,57
